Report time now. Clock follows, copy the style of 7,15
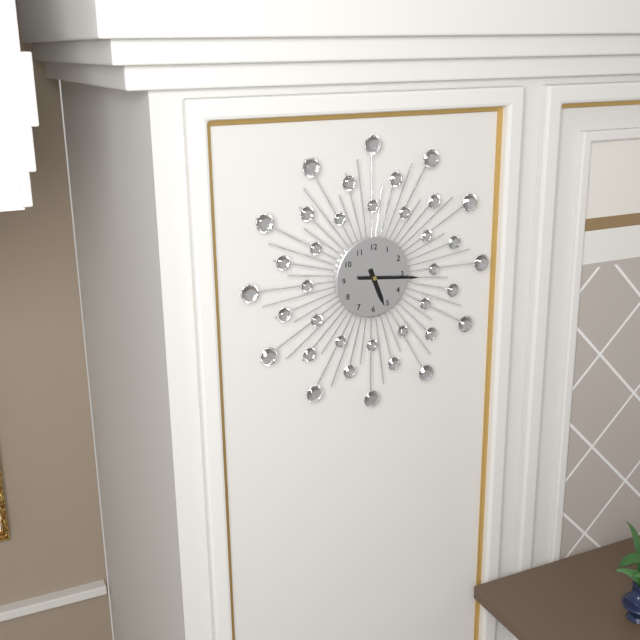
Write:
5,16
